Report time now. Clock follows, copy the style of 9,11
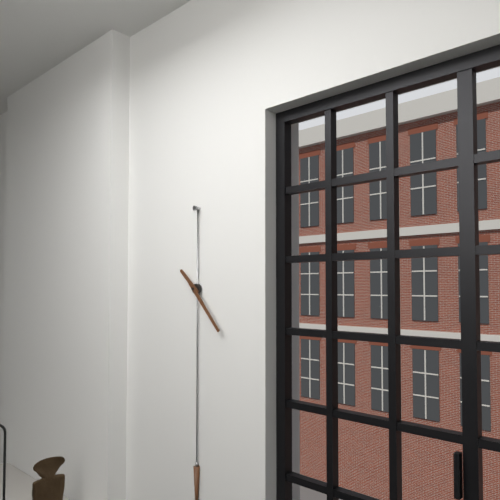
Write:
10,23
